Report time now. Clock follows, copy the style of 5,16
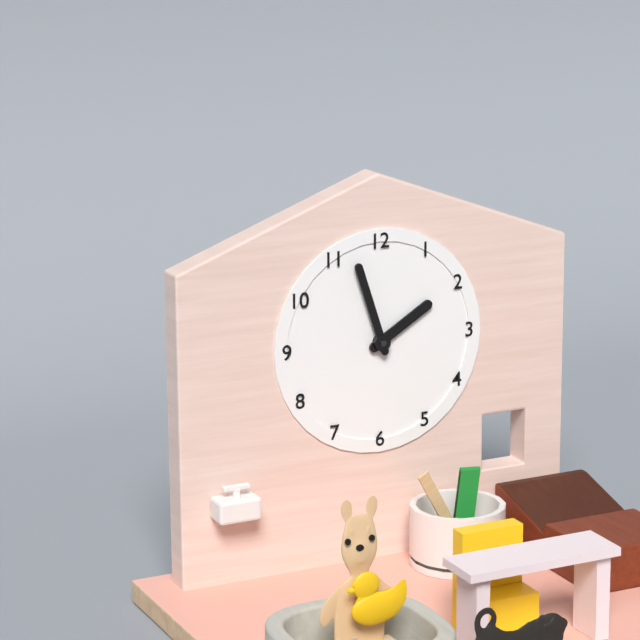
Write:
1,57
